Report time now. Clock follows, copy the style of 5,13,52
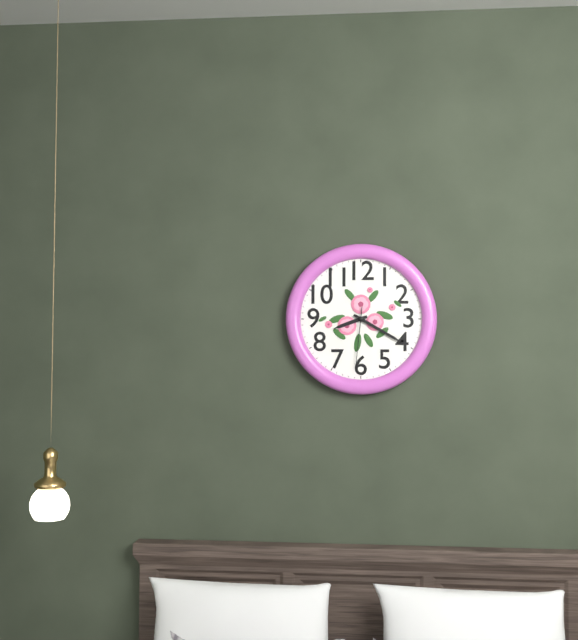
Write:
8,20,31
